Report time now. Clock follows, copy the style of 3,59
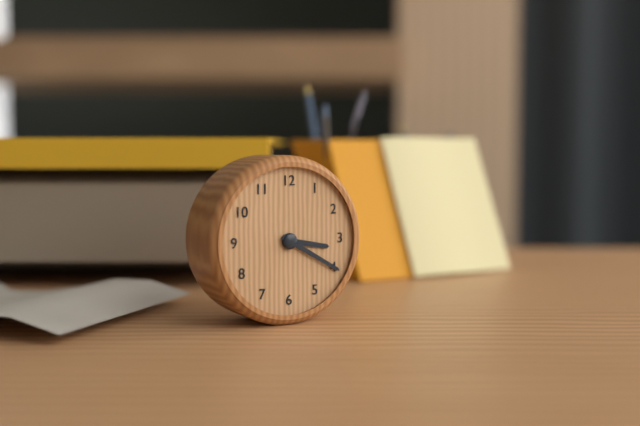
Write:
3,20
